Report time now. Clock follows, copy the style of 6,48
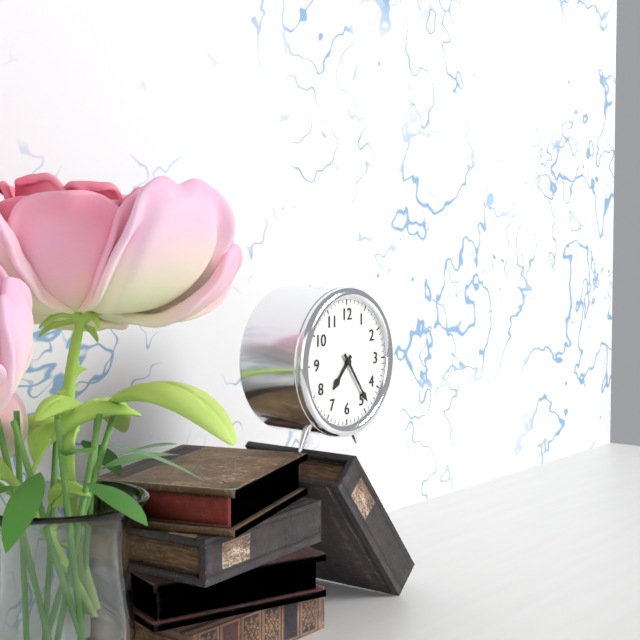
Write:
7,24
